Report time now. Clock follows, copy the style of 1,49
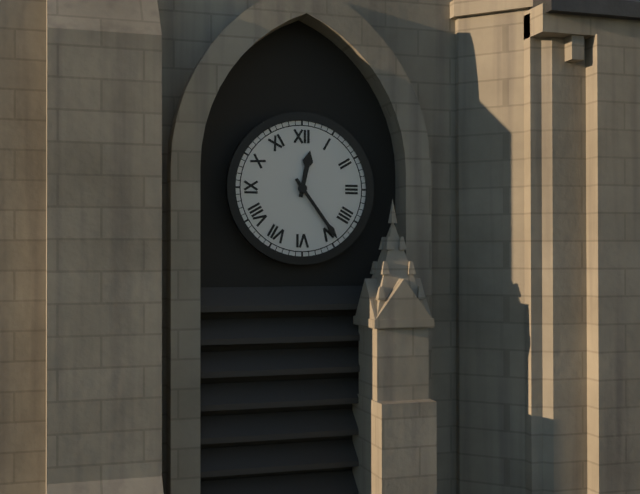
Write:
12,24
